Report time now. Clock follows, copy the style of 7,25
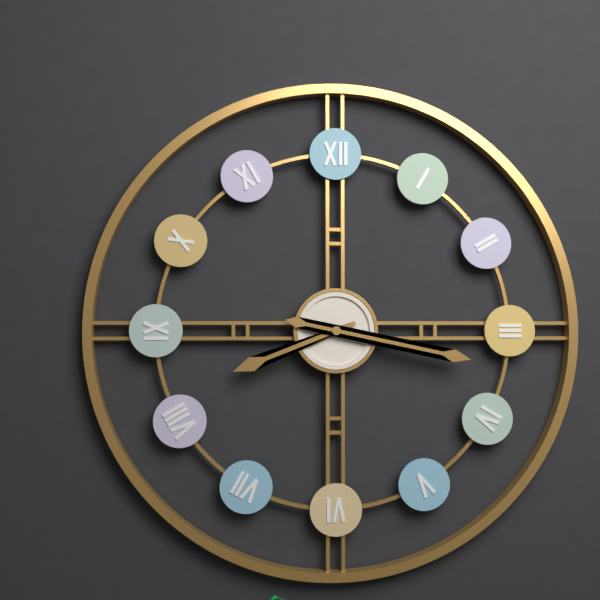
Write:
8,17
